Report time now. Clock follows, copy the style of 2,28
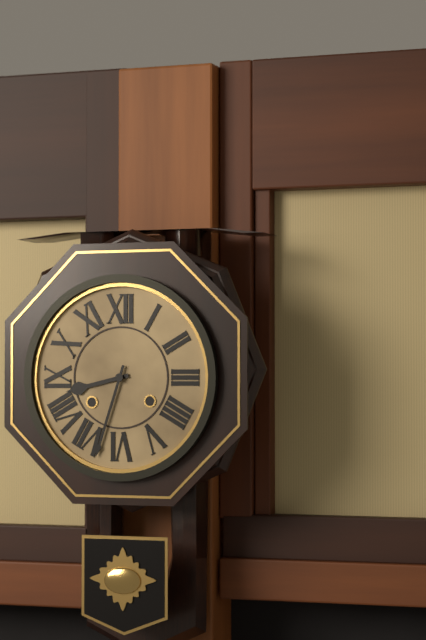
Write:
8,33
